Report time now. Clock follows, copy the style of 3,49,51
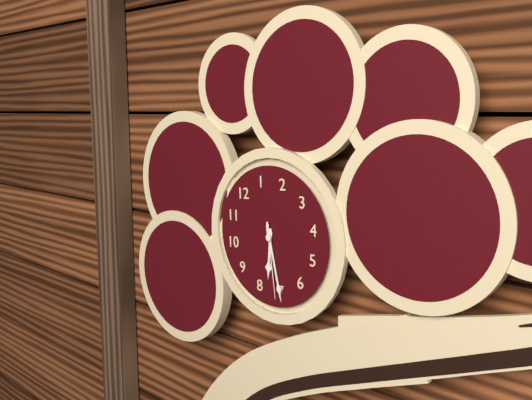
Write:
7,35,36
